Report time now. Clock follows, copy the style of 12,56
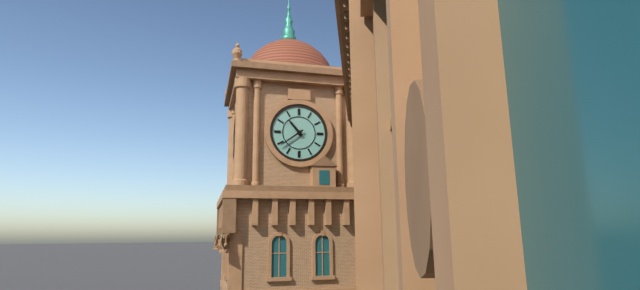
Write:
10,39
